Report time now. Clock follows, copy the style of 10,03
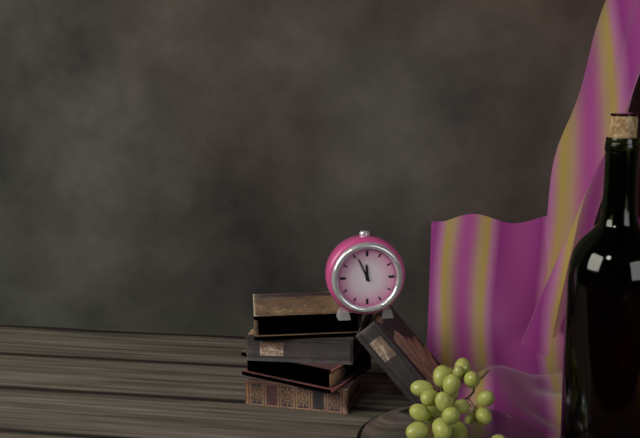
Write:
11,56
